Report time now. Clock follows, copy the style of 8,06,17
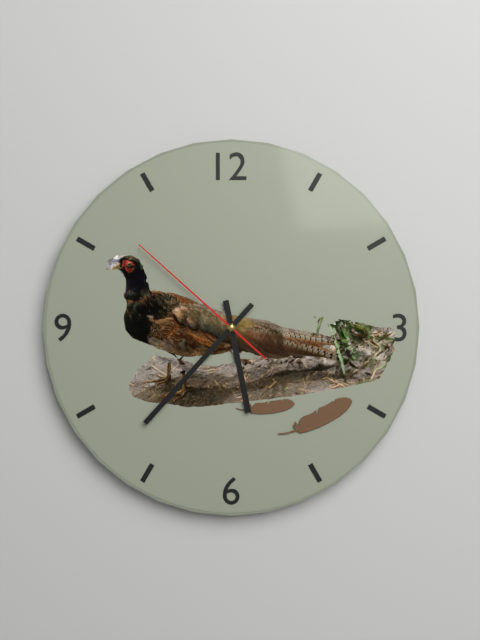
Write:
5,37,52
